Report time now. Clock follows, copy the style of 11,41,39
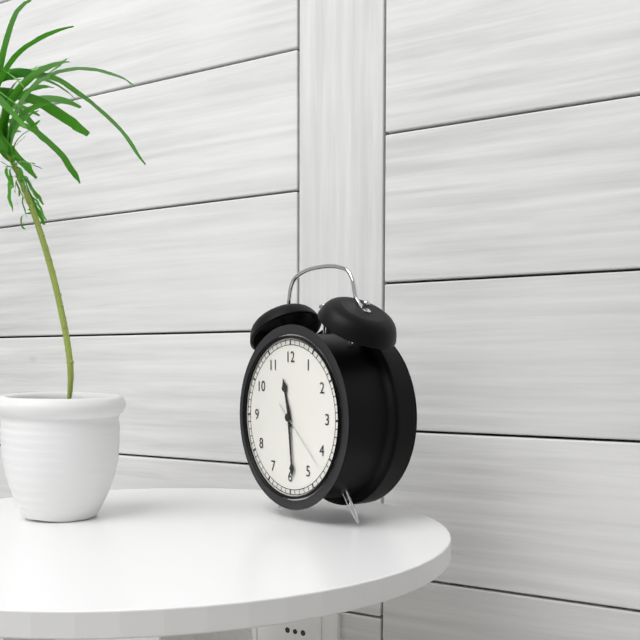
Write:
11,29,22
